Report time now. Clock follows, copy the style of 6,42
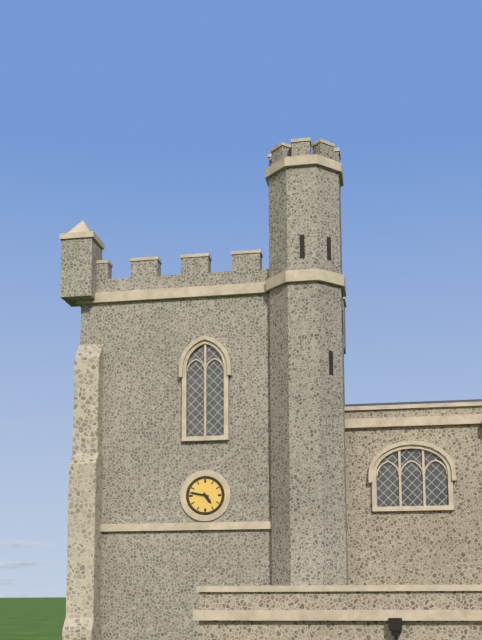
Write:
4,47
